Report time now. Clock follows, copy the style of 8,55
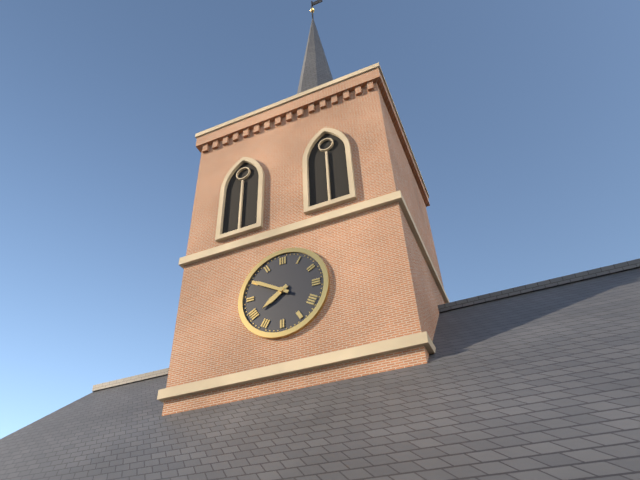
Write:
7,50
